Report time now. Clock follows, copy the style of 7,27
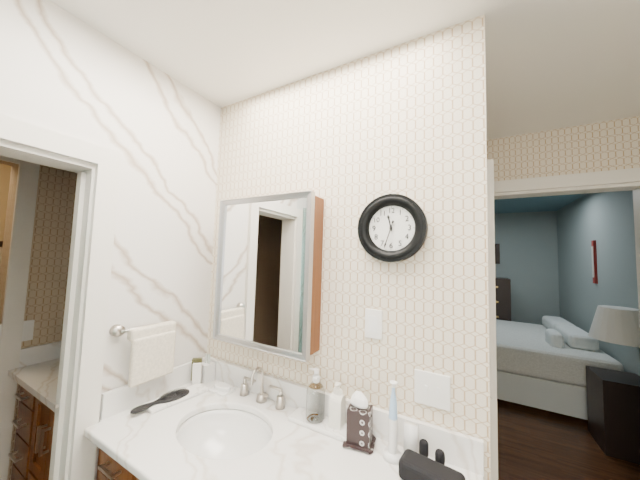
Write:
11,33
